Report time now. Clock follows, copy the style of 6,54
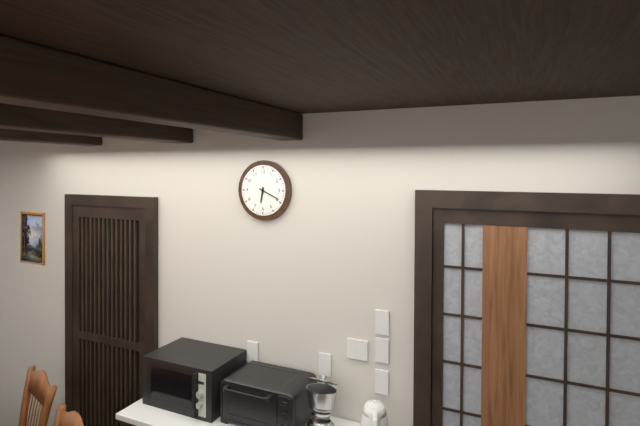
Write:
6,19
